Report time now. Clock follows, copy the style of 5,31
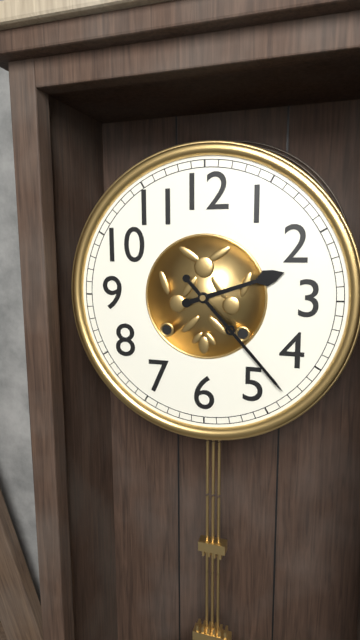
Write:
2,23
